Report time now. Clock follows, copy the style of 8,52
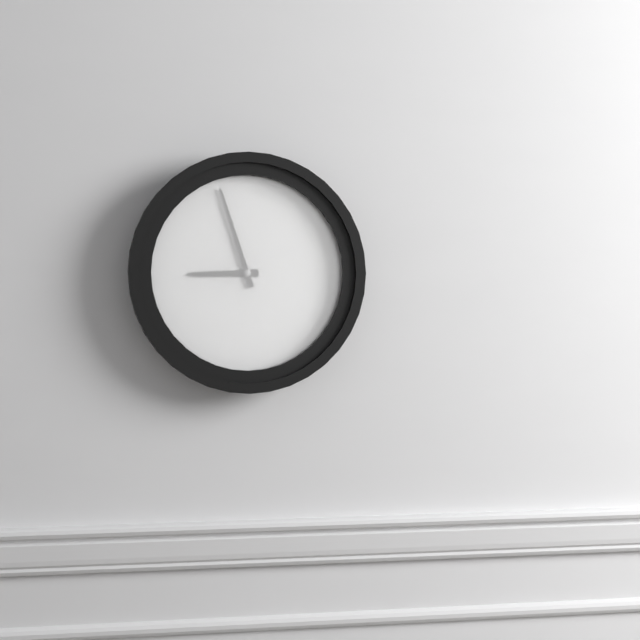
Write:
8,57
